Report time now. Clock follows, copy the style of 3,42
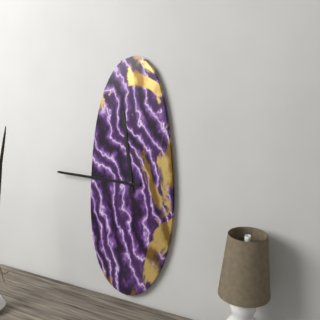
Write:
11,45
